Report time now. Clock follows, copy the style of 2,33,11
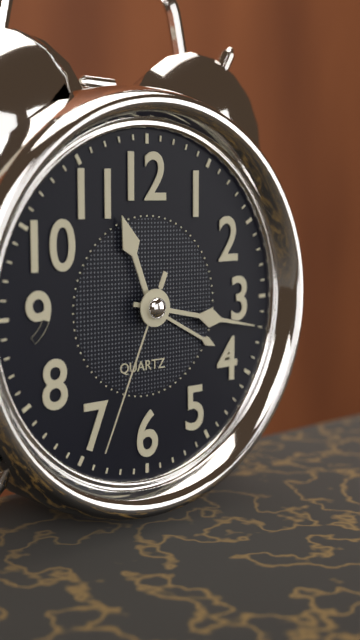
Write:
11,17,34
